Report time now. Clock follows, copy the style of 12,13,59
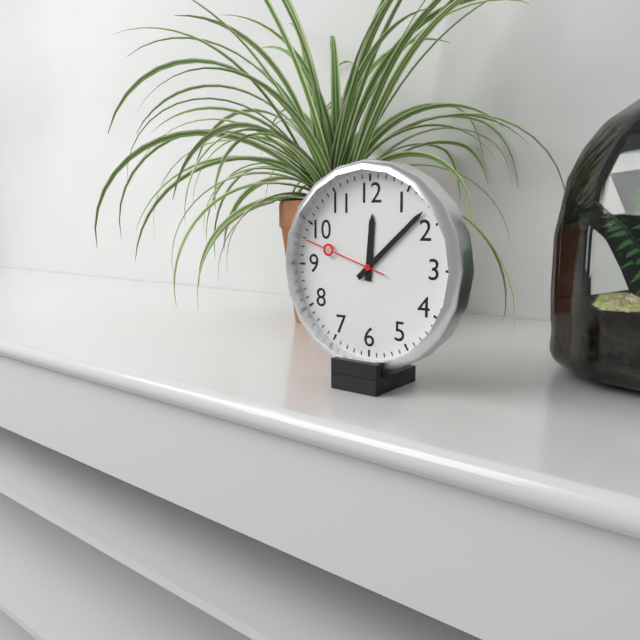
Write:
12,08,48
